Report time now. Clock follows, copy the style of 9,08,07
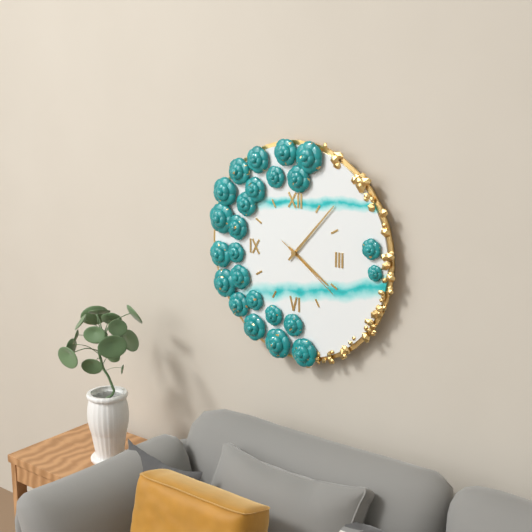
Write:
4,07,21
